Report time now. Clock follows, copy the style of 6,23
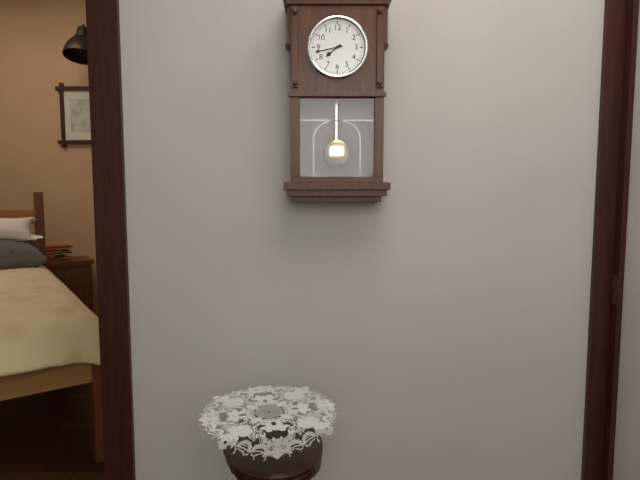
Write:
7,43
